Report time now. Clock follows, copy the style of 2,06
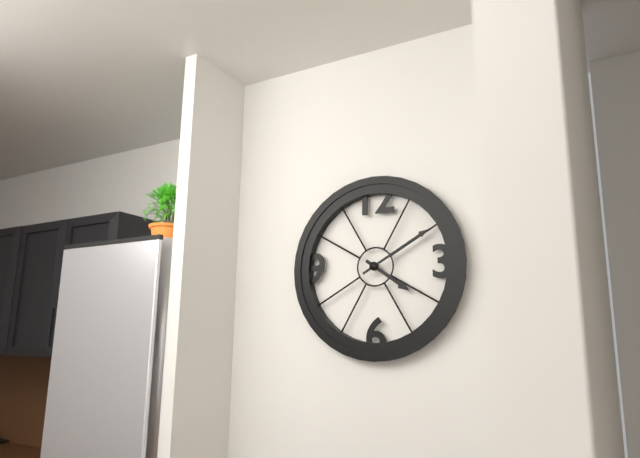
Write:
4,10
